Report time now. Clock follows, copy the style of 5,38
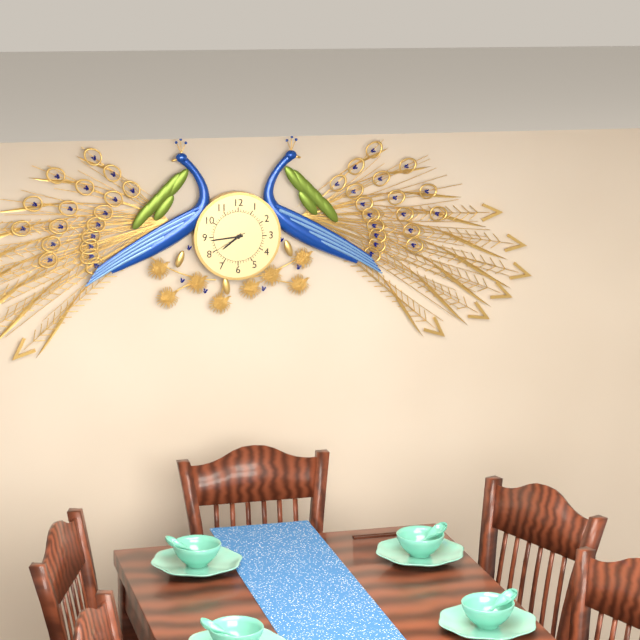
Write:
7,44
